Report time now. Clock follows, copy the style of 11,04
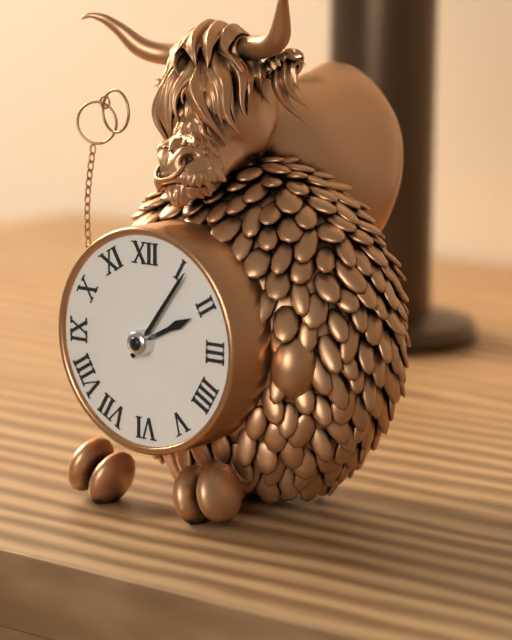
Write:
2,06
